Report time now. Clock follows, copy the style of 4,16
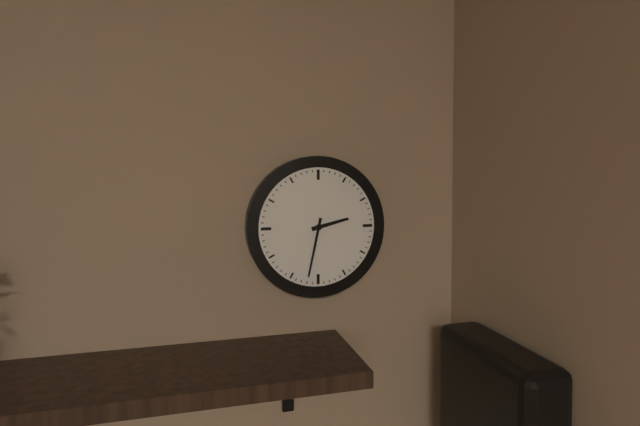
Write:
2,32
